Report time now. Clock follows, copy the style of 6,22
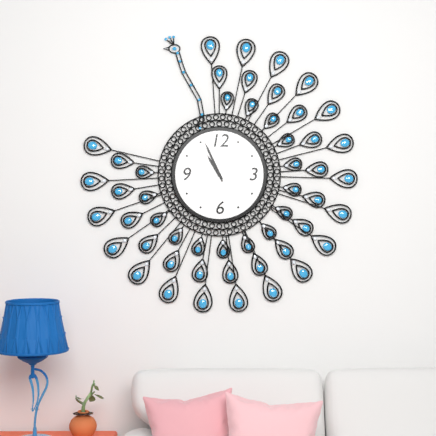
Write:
10,56
